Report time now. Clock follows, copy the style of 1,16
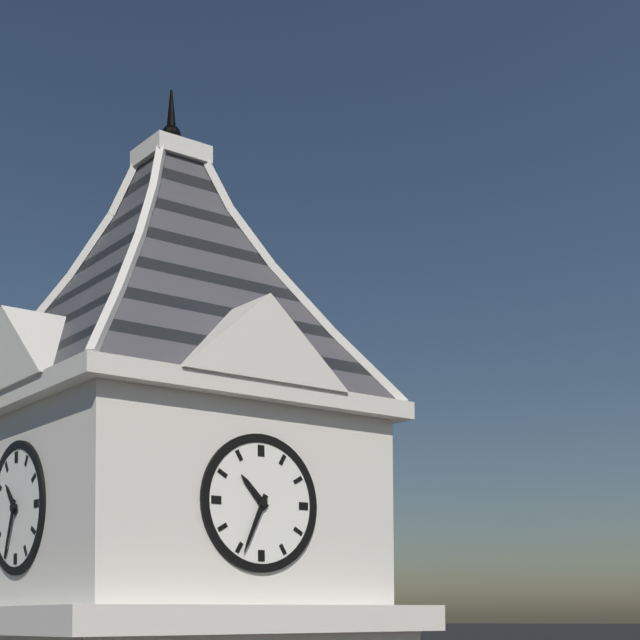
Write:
10,34
